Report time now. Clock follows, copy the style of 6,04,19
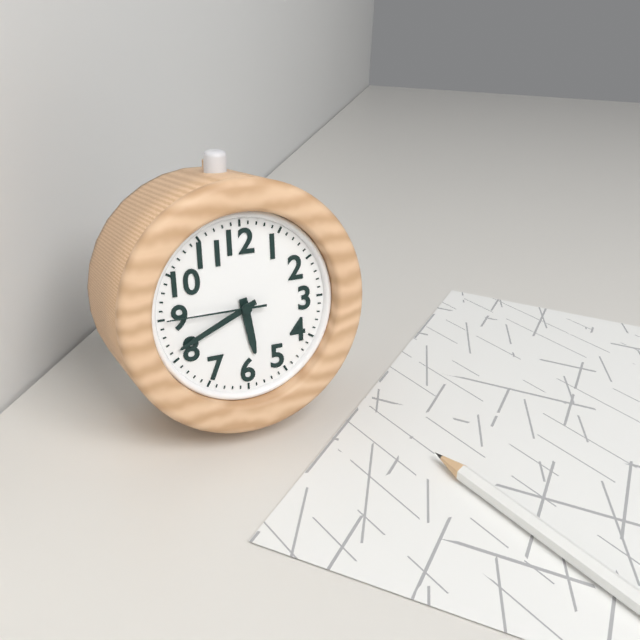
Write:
5,41,45
